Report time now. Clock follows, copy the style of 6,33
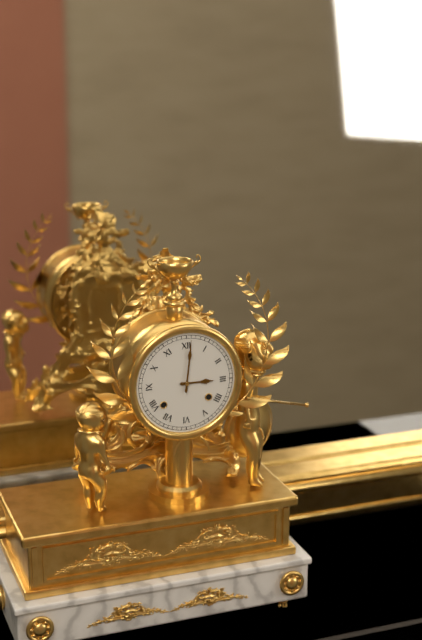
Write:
3,01
